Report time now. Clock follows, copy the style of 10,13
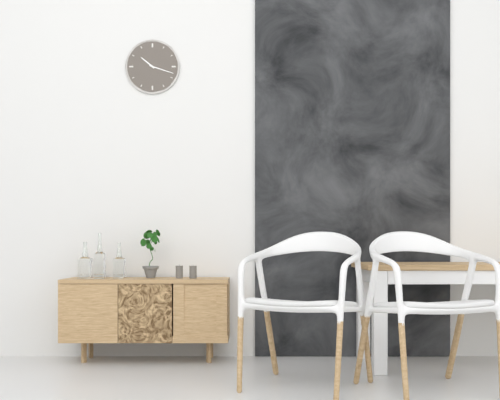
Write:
10,18
